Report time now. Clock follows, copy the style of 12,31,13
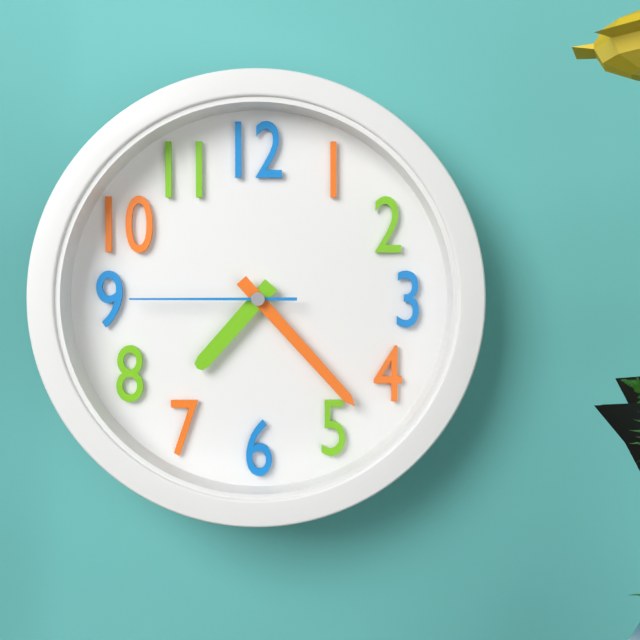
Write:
7,23,45
